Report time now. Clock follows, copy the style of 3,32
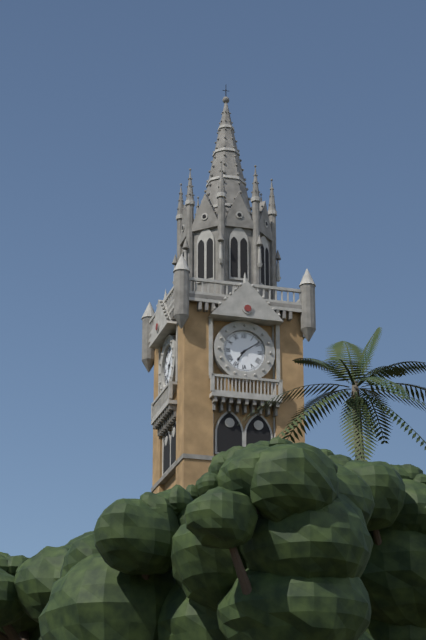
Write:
7,09
